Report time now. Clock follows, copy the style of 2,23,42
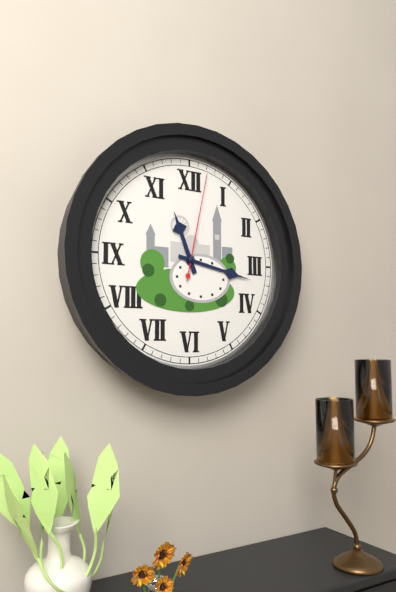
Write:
11,17,02
